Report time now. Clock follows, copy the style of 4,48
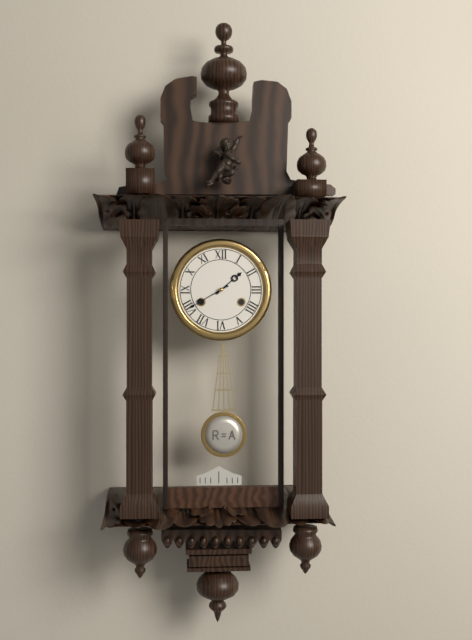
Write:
1,40
